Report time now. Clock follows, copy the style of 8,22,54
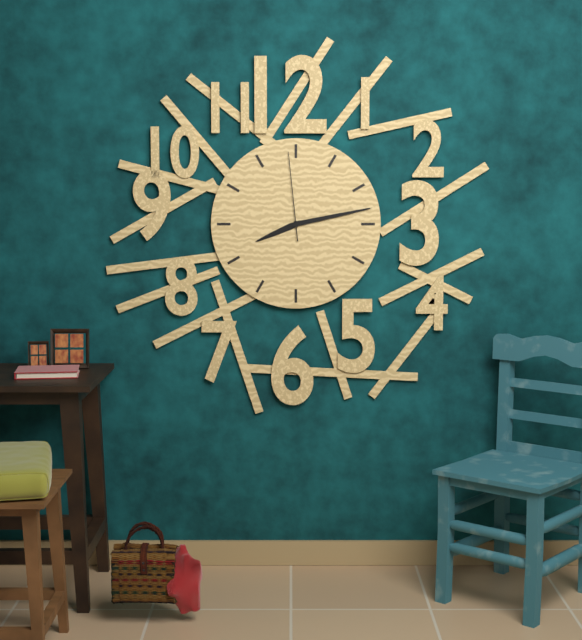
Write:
8,13,59
